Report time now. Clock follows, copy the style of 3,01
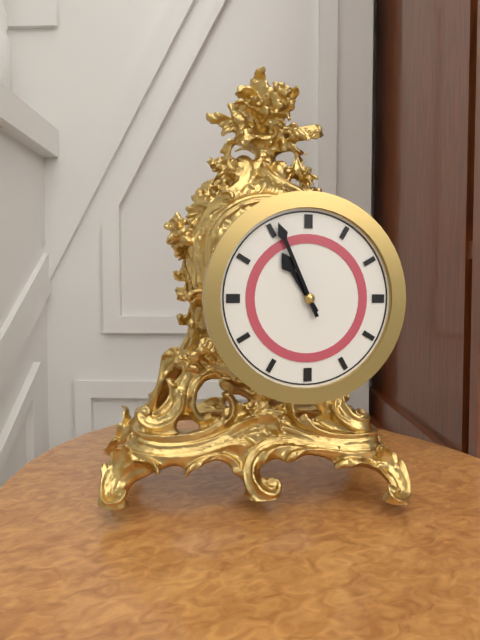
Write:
10,56
